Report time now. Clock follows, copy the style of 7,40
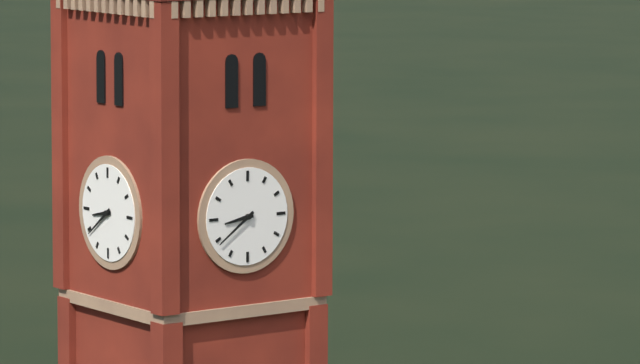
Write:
8,39
